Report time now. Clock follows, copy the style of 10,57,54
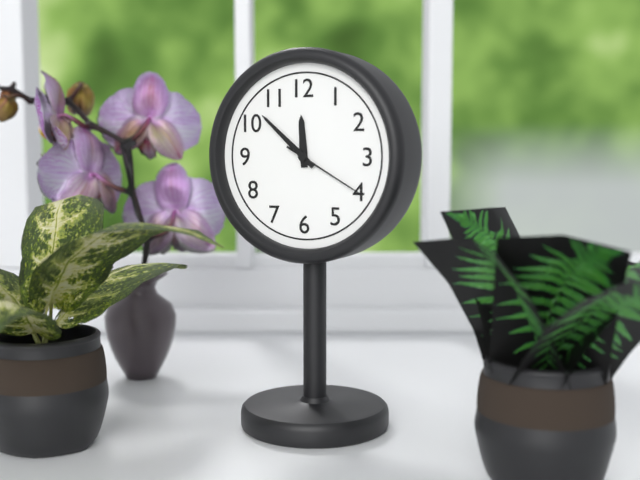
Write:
11,52,20
